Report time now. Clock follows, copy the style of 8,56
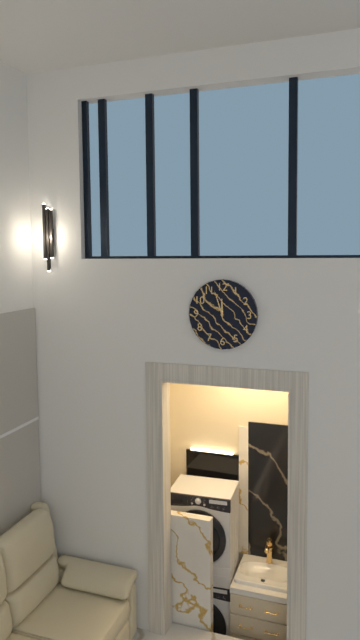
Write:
11,57
